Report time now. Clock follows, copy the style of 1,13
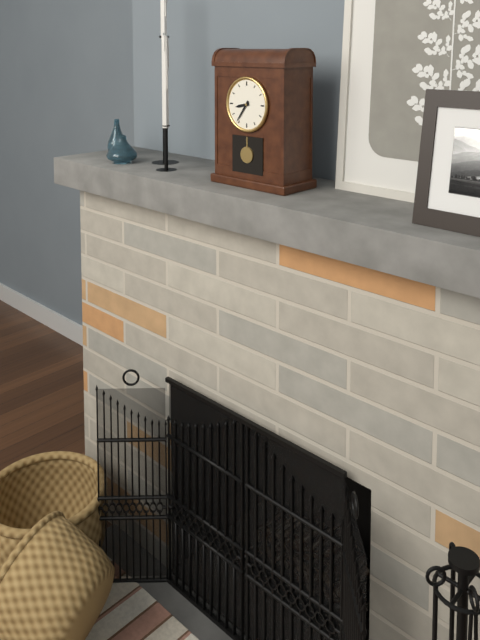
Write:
8,36
